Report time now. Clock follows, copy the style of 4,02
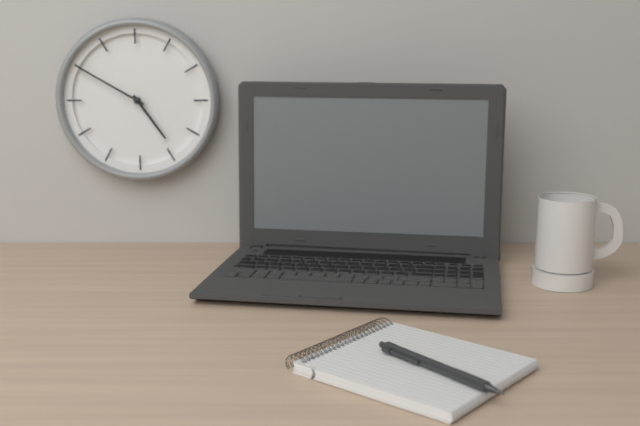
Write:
4,50
